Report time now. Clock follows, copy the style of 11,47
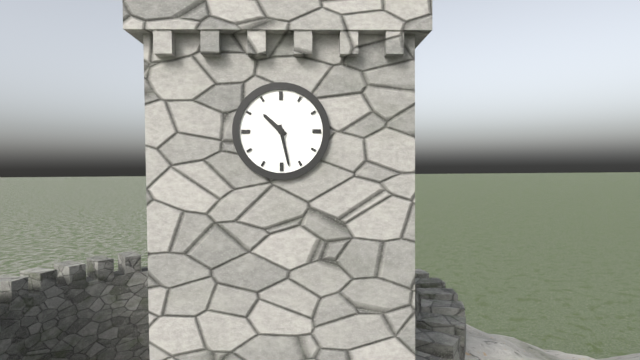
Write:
10,28
